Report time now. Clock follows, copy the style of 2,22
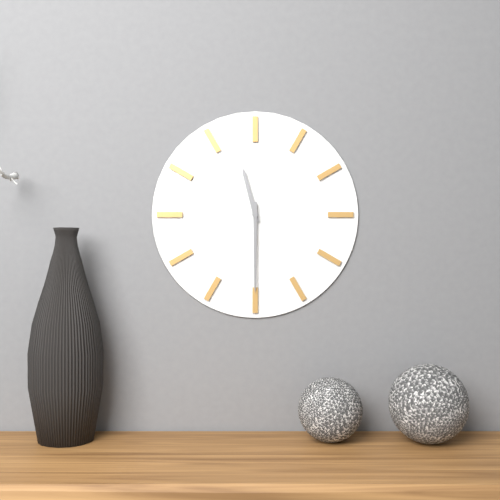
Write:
11,30
